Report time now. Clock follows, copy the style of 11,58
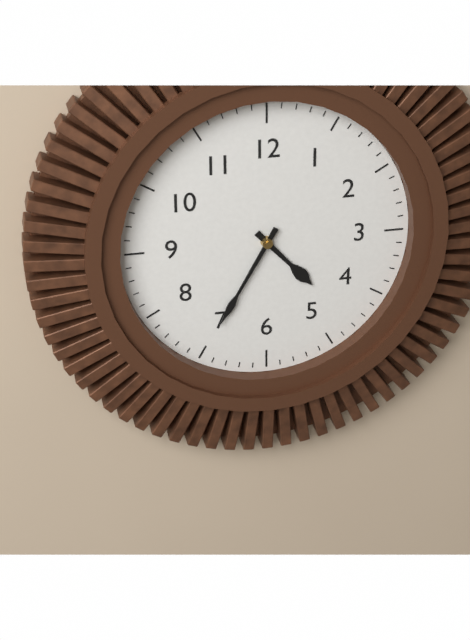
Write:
4,35
